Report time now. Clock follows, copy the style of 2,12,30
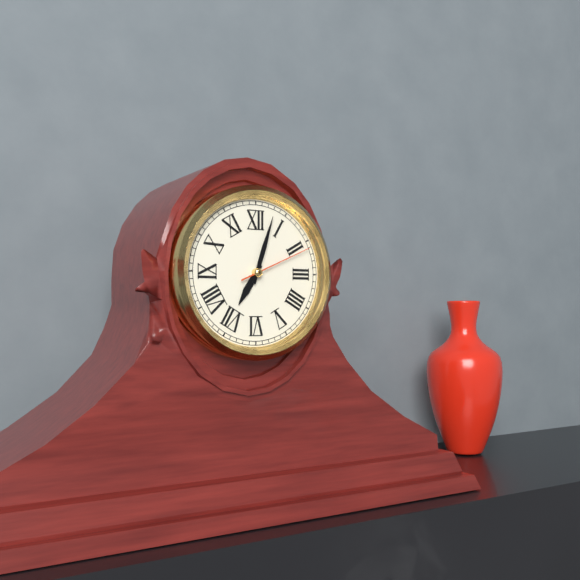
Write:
7,03,11
